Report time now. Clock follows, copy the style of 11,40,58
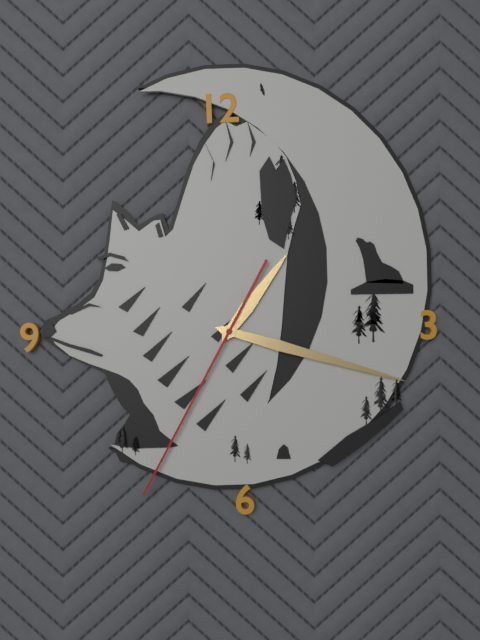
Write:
1,18,35
